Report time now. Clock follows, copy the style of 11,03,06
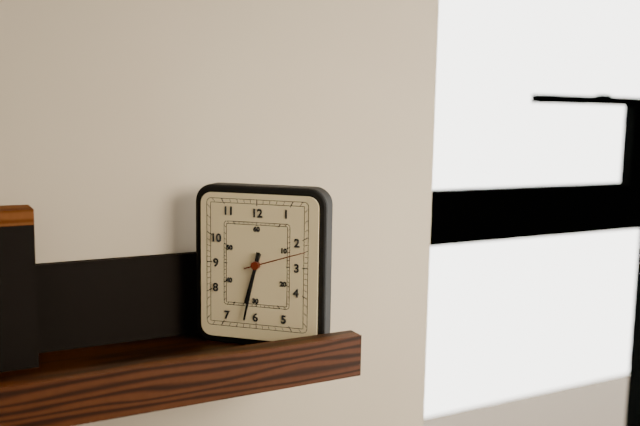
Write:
6,32,12
